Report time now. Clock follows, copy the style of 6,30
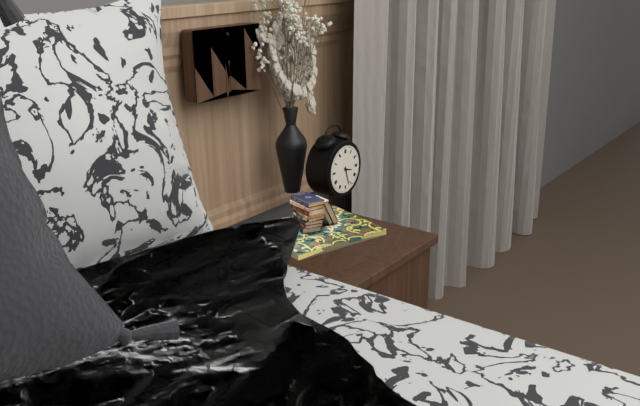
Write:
3,27
